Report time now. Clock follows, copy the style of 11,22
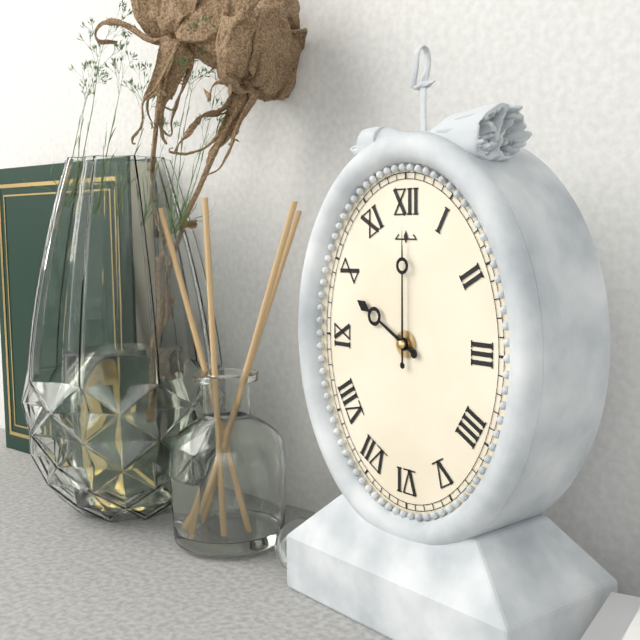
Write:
10,00
